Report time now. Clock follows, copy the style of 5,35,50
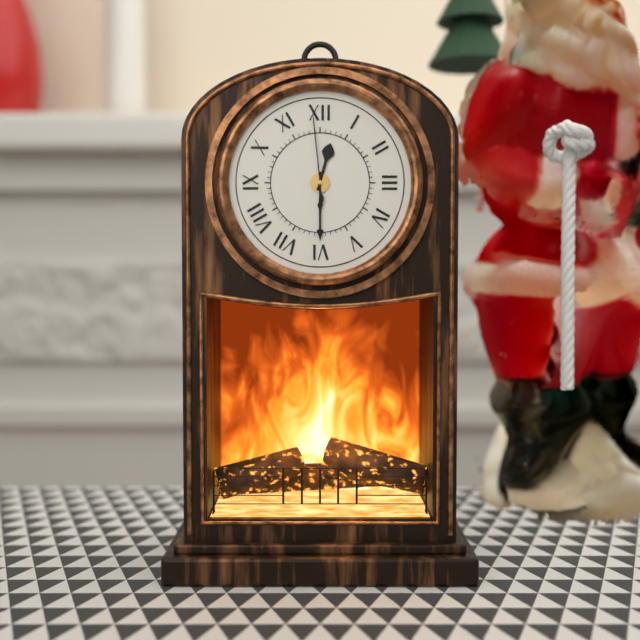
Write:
12,30,59
